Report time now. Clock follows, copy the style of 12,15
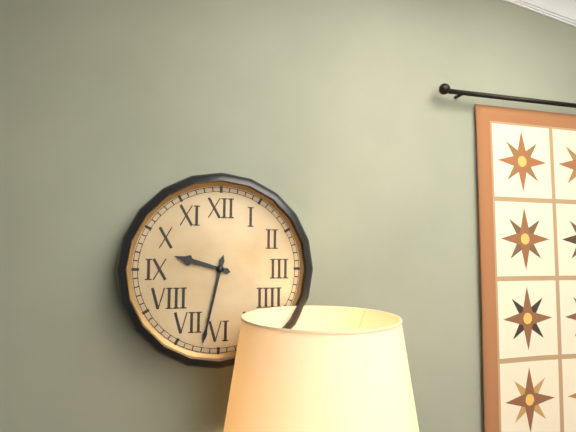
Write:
9,32
